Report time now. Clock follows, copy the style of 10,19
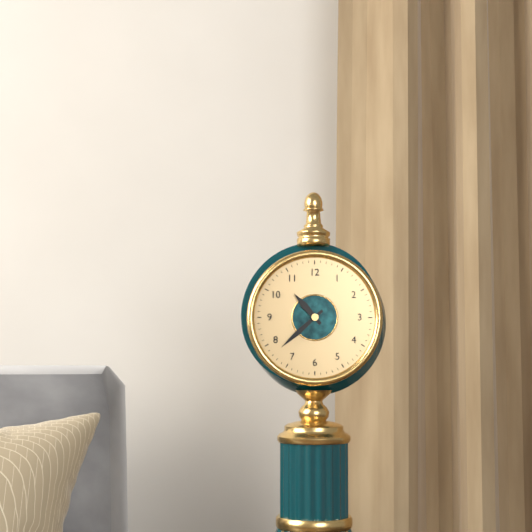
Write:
10,38
